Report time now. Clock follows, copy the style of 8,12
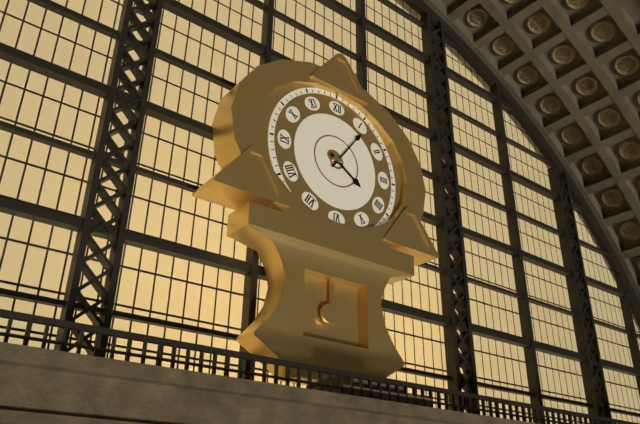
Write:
4,06
